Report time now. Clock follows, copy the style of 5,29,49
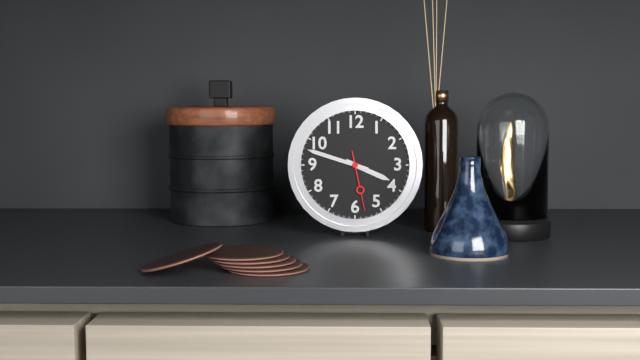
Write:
3,48,28
